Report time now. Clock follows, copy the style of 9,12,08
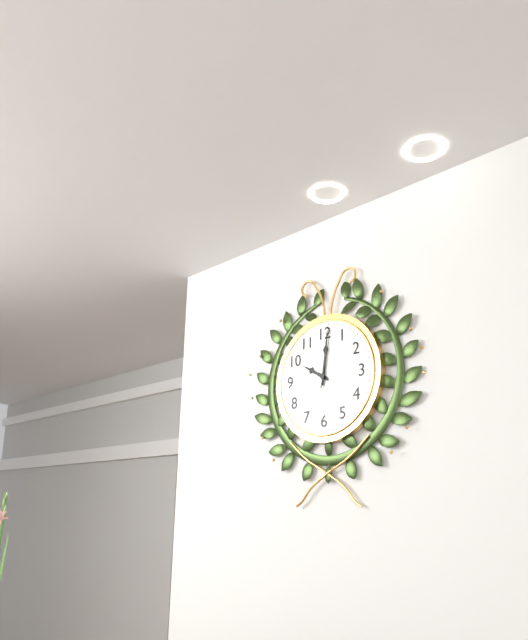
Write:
10,01,02
